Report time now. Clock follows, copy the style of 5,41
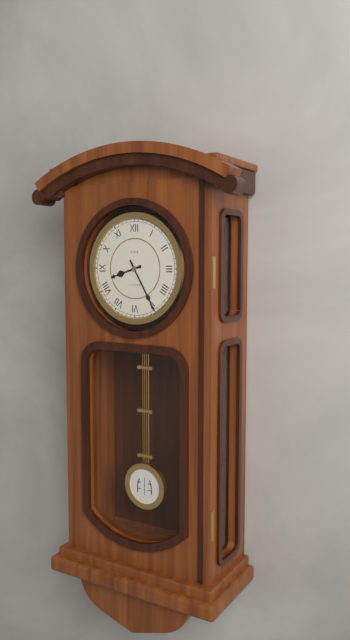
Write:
8,25
